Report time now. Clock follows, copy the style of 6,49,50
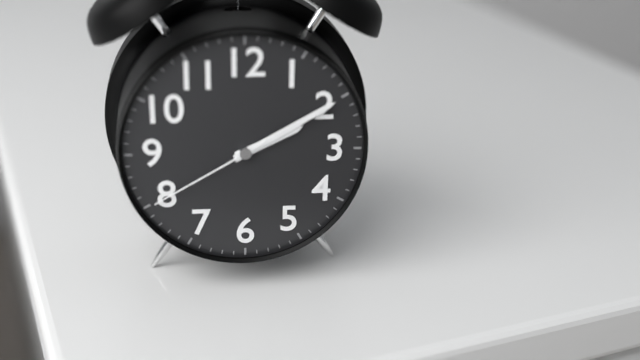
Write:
2,10,40
